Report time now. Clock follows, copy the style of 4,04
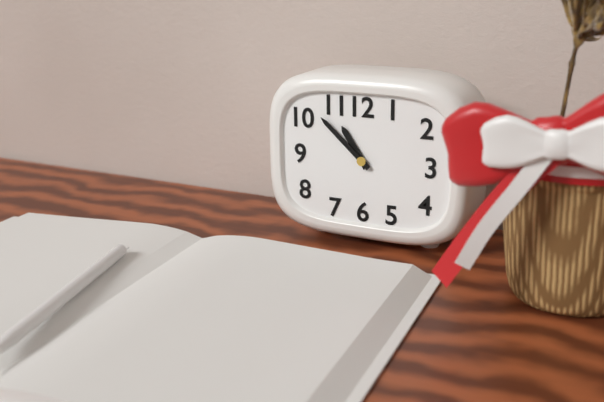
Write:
10,52
